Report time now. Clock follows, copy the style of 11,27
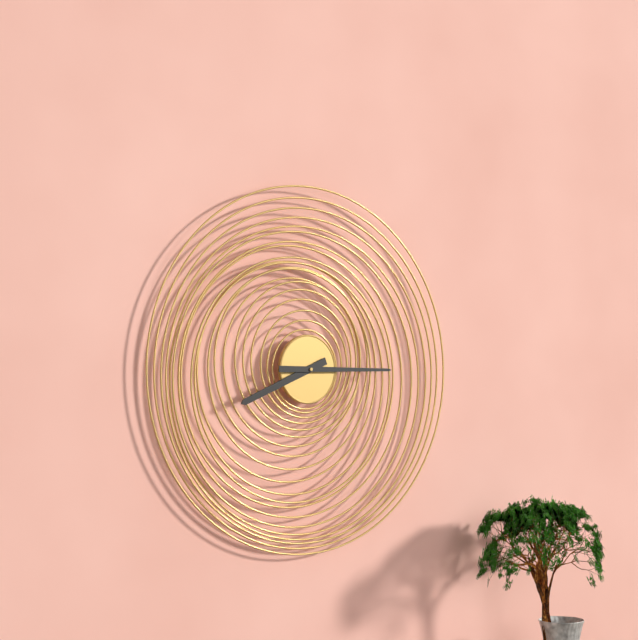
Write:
8,15
